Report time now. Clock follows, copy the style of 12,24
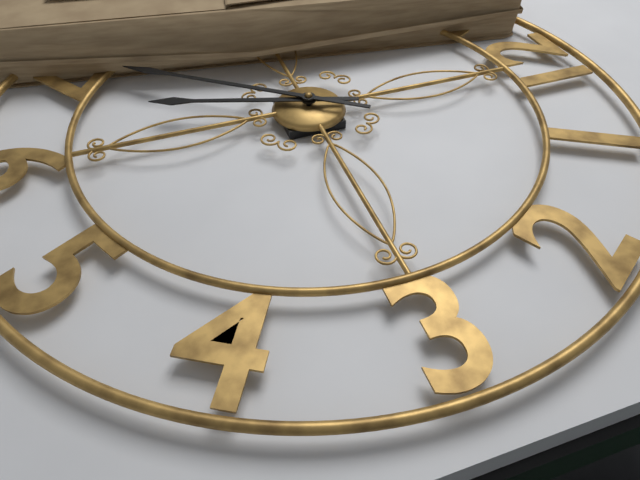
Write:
6,36
